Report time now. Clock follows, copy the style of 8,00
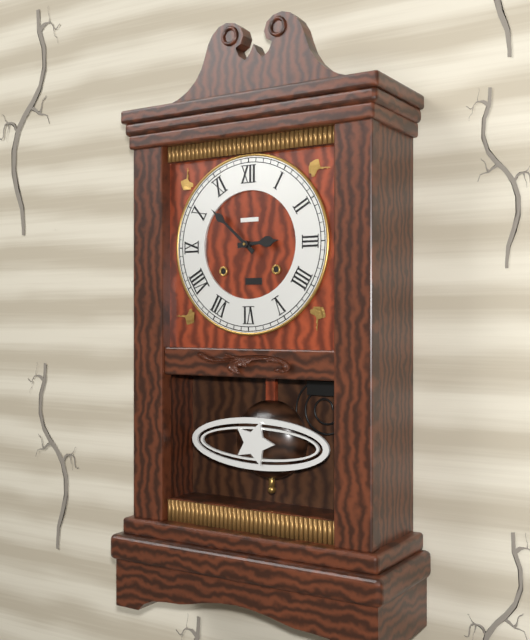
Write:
2,52
